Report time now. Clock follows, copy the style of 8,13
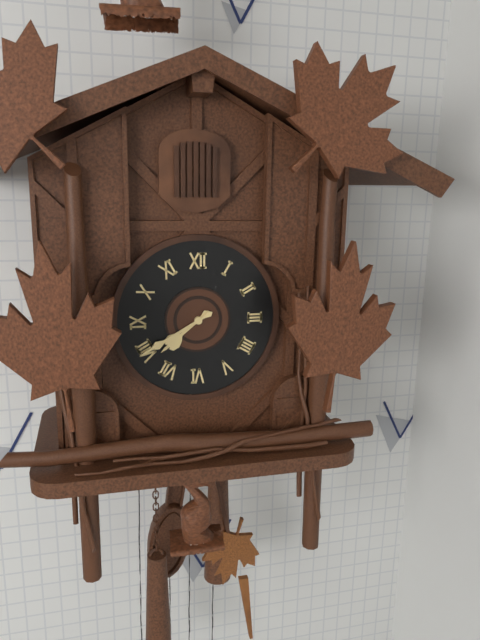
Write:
7,40
